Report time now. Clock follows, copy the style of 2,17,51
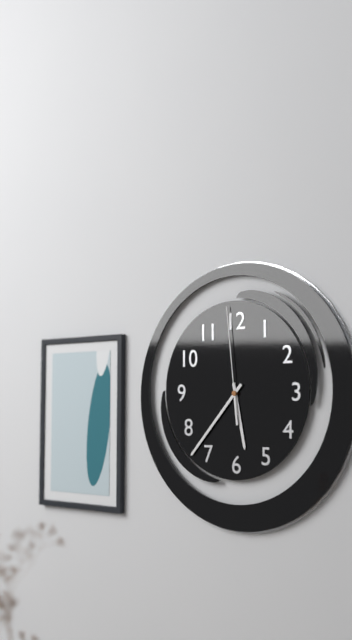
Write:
5,37,59
